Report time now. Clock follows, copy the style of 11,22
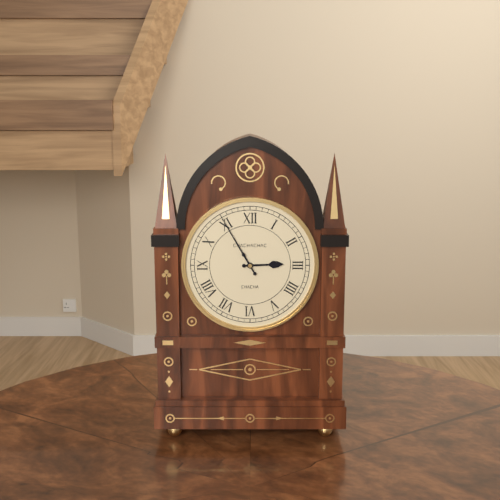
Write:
2,55
